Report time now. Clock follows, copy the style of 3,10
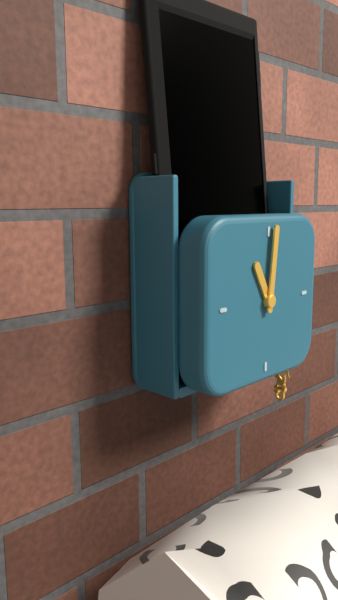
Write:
11,01
